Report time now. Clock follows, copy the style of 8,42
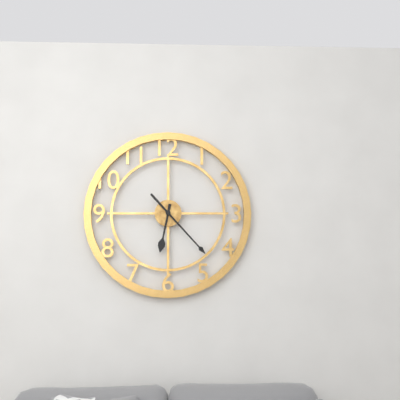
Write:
6,23
